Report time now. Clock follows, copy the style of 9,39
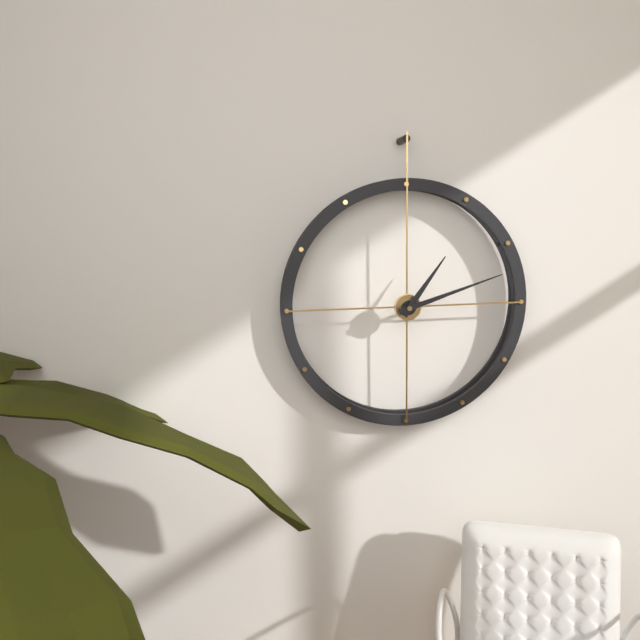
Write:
1,12
